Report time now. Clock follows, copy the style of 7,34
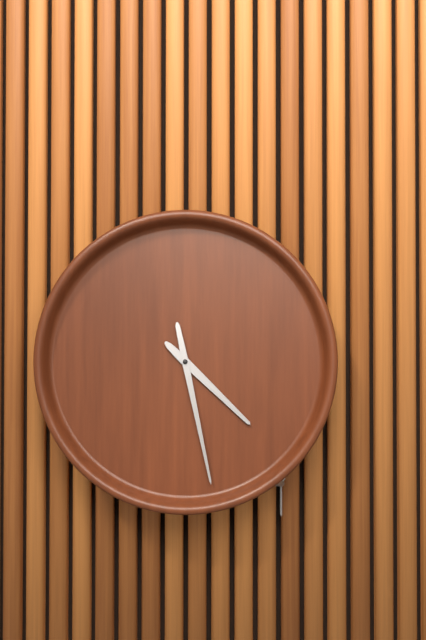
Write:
4,28
